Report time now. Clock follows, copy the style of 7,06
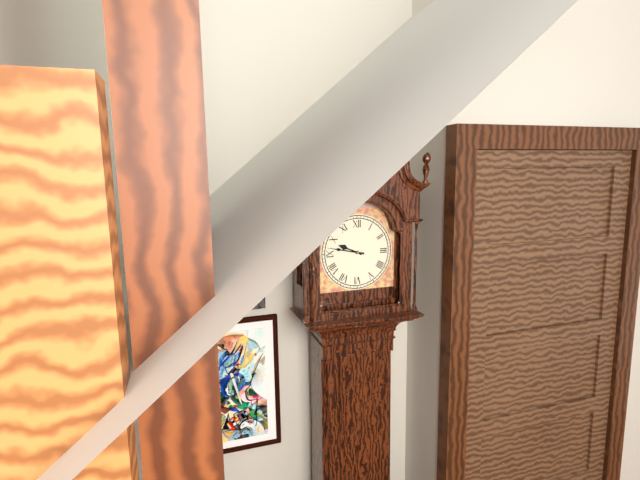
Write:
9,47
